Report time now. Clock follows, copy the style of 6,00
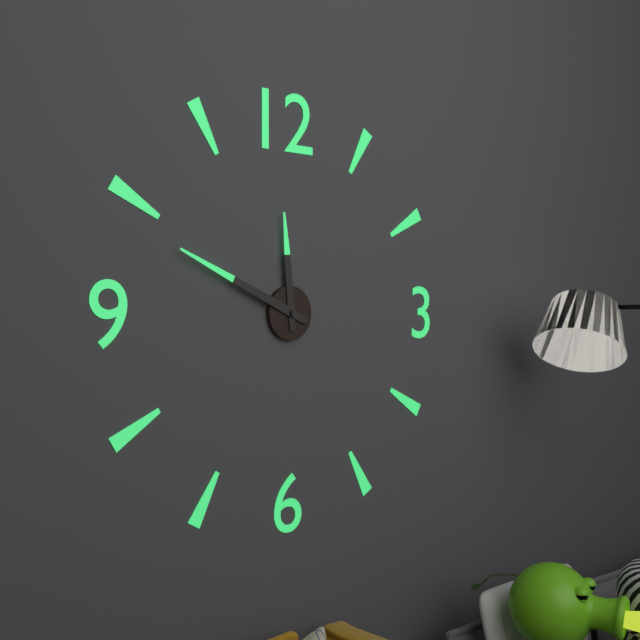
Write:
11,49
